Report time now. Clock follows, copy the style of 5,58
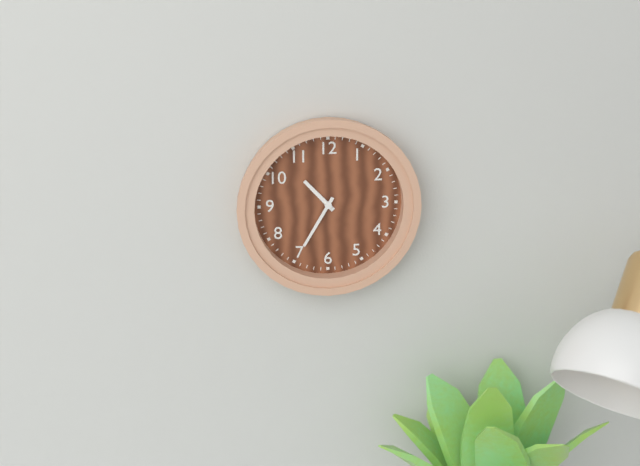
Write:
10,35
